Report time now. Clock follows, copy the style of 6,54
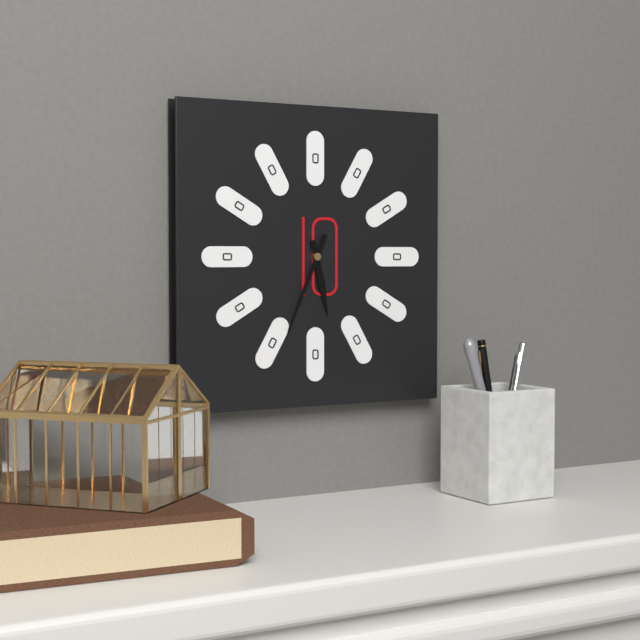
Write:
5,34
